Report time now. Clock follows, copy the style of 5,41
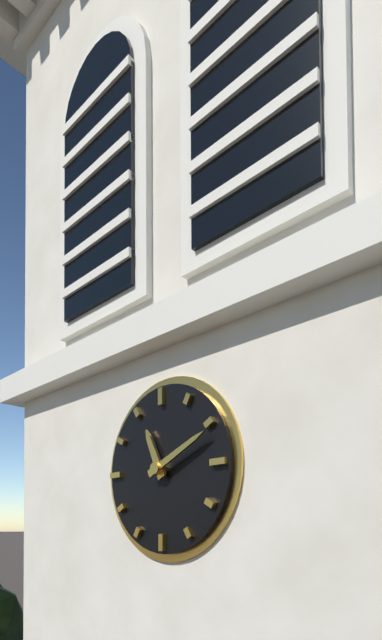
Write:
11,11
